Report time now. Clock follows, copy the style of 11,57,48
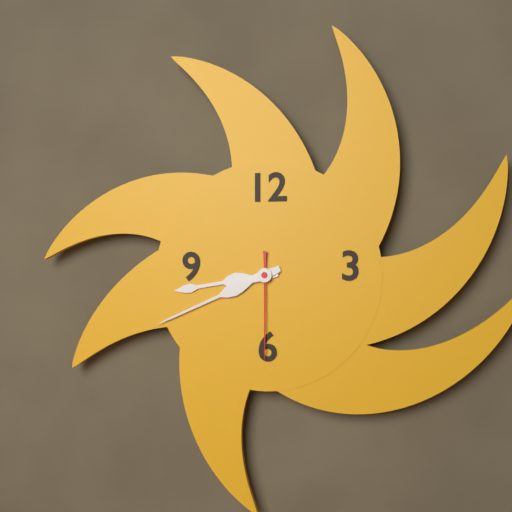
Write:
8,41,30
